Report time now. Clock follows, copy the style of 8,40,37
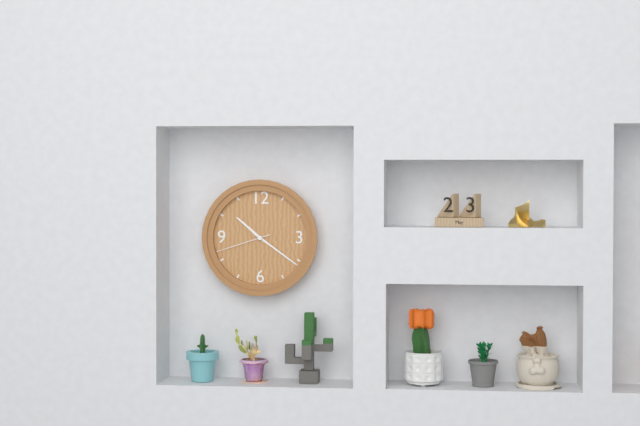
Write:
10,21,42
